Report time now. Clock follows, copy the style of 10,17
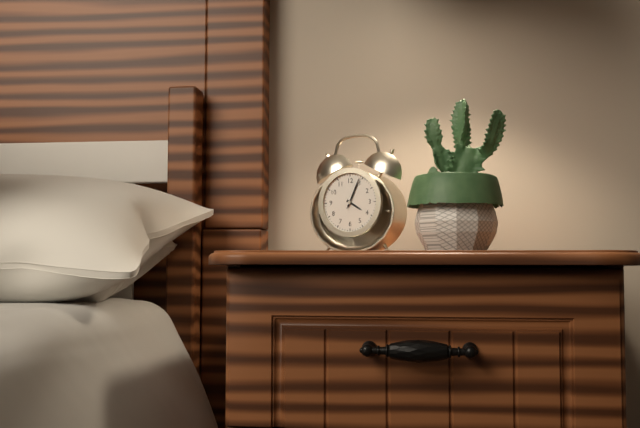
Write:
4,04
